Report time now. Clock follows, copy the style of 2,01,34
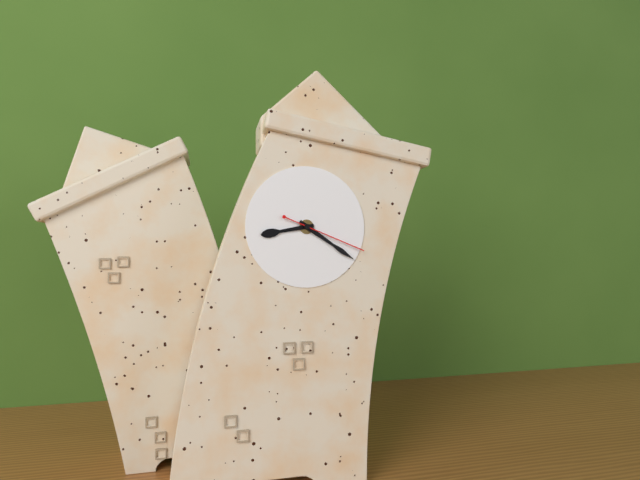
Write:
8,19,17
